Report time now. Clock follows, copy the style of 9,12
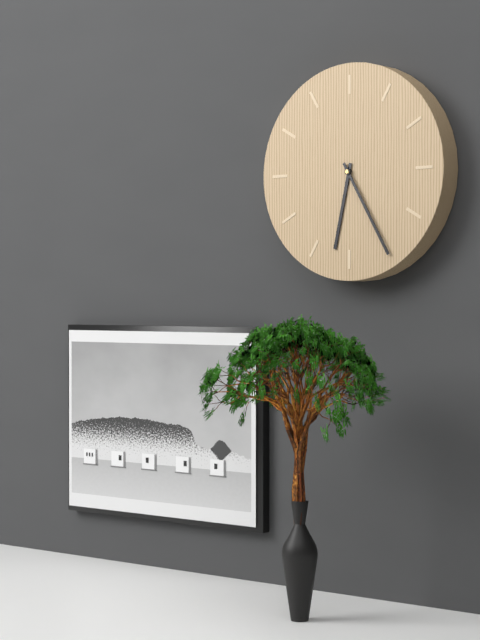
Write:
6,25
